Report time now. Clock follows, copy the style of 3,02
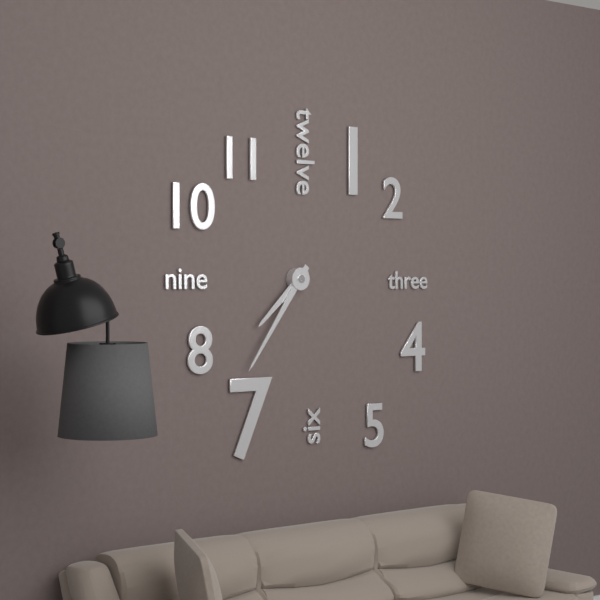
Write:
7,36
